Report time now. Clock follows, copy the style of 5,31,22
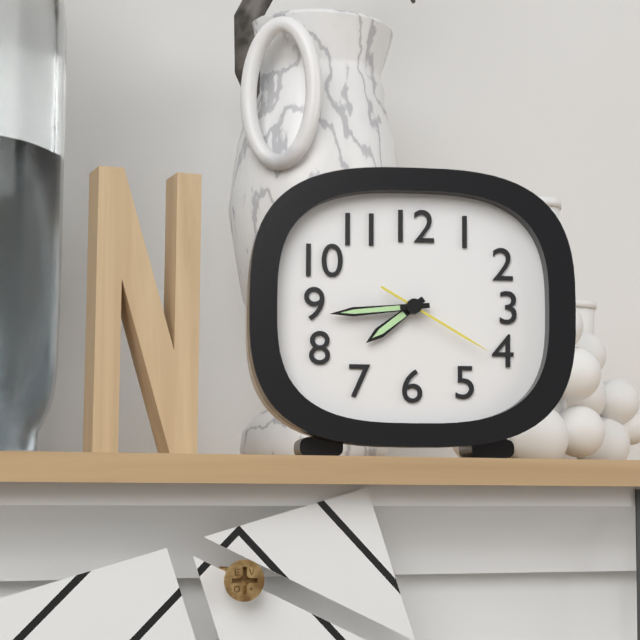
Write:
7,44,20
